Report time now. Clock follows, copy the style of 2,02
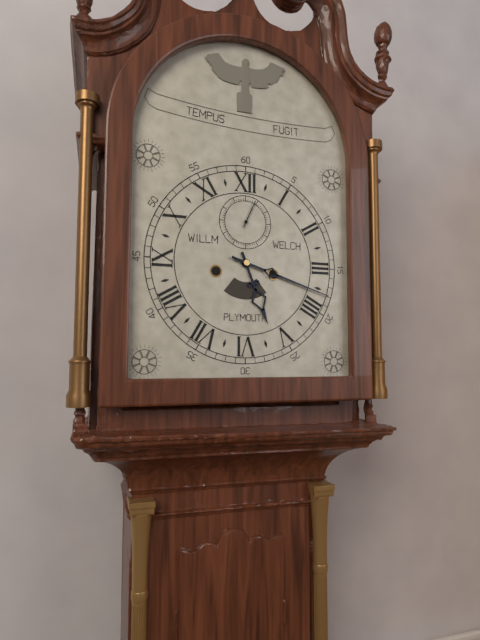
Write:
5,18
